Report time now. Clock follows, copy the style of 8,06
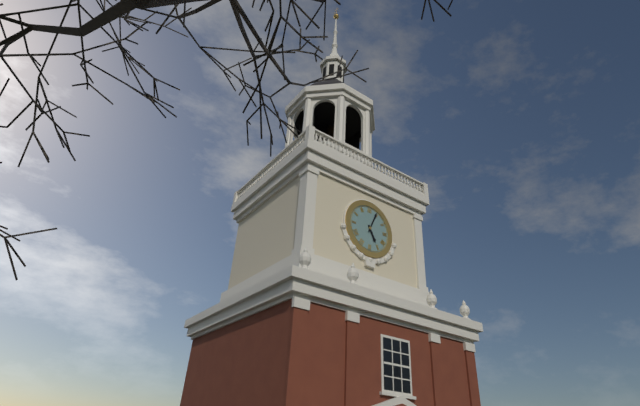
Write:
5,04
